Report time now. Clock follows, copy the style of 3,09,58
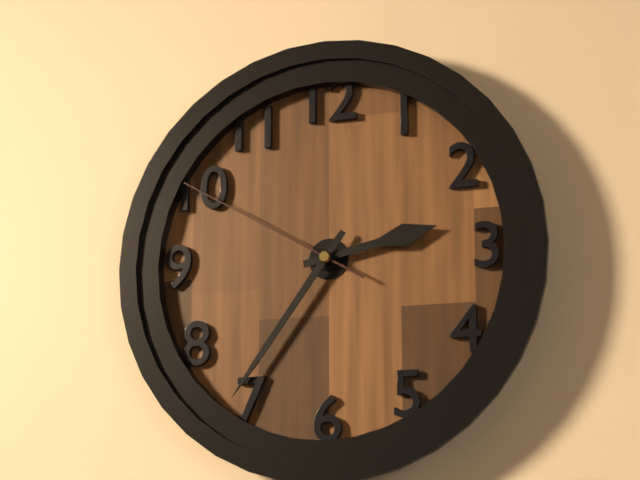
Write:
2,36,50
